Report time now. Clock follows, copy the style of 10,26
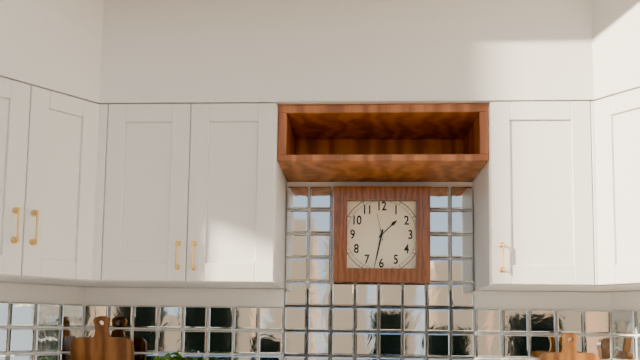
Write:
1,32
